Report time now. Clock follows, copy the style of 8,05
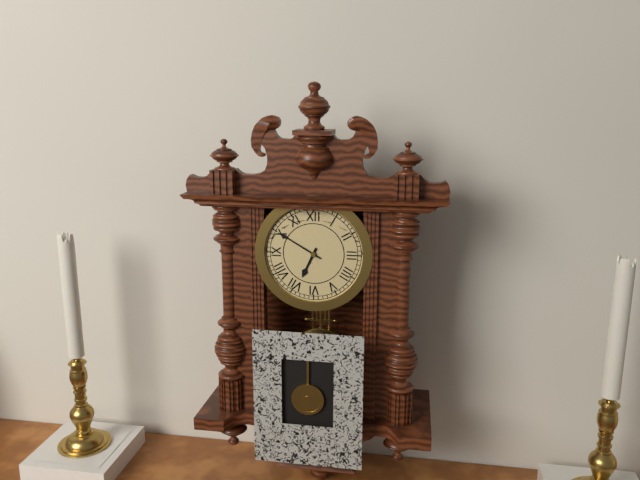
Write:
6,50
